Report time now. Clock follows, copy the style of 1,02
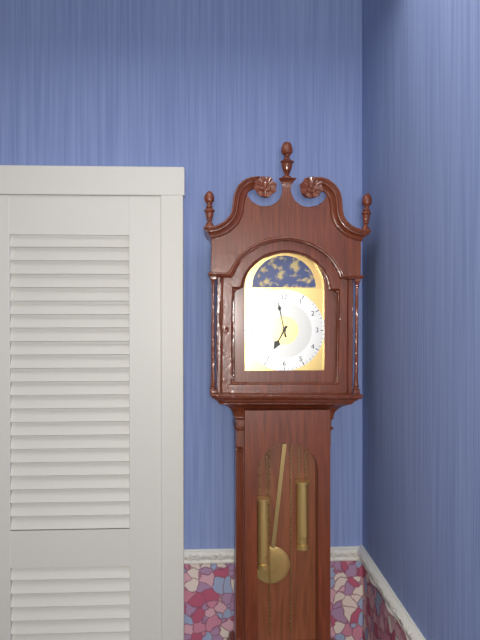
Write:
6,58
